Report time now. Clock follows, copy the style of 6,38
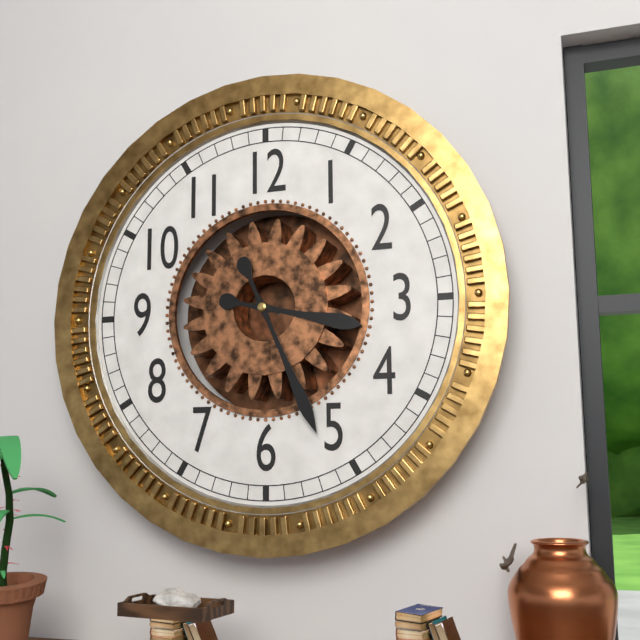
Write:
3,26
